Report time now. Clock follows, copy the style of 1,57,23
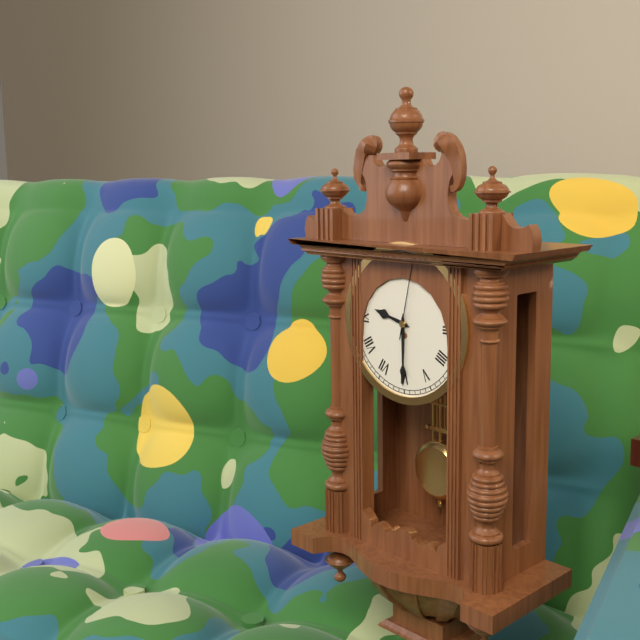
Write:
9,30,02
